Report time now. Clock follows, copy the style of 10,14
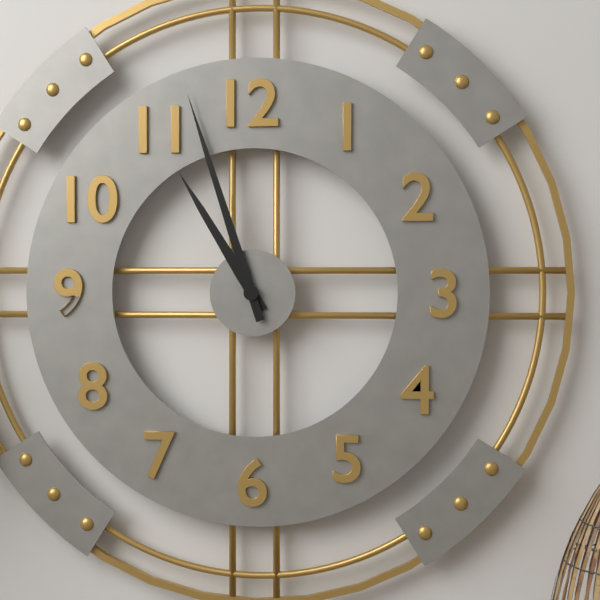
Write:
10,57
